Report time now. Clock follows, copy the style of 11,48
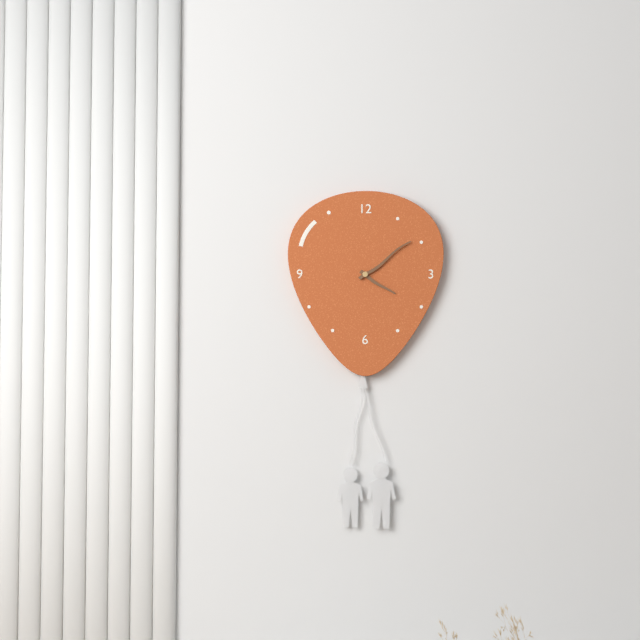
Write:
4,09
